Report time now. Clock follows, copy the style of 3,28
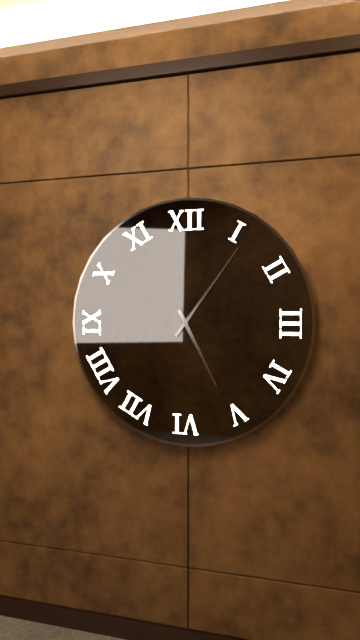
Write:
5,06
